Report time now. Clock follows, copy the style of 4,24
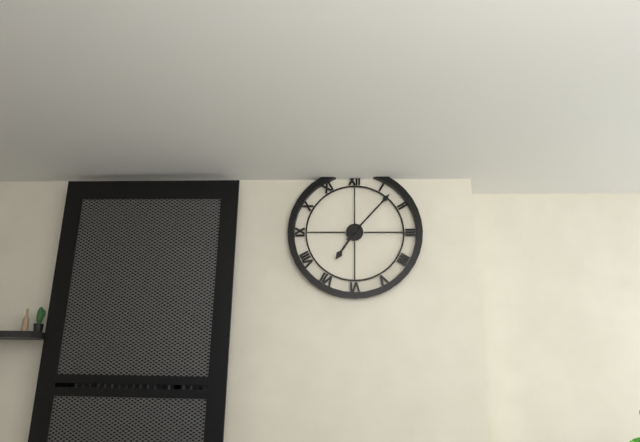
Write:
7,07
